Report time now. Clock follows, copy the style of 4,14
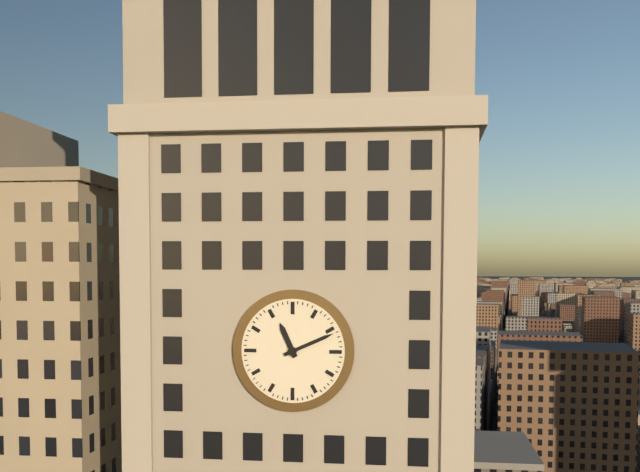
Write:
11,11
